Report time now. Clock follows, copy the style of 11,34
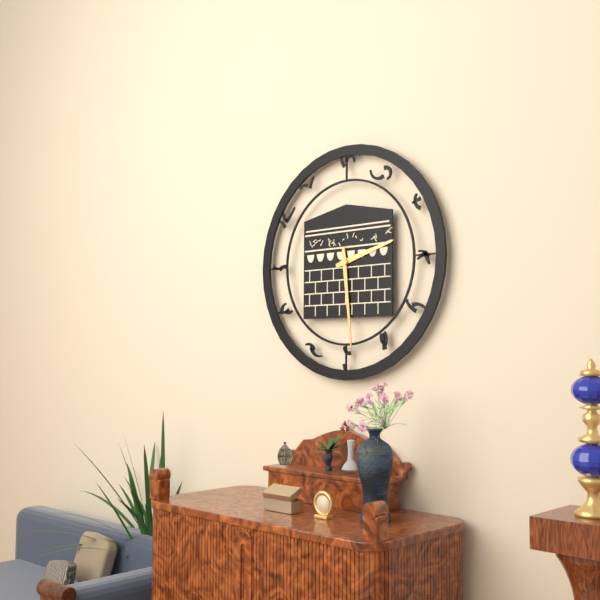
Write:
2,29
